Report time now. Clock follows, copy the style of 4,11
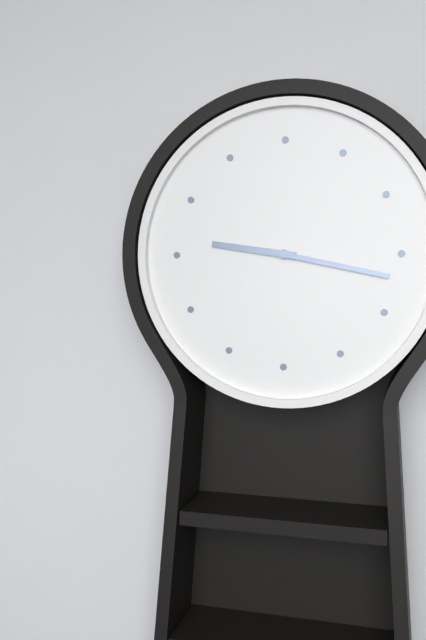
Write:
9,17
